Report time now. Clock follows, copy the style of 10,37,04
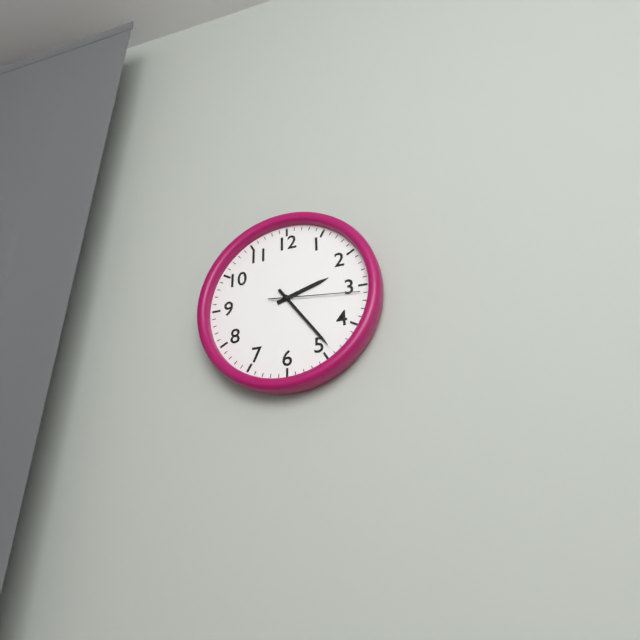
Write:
2,24,16
